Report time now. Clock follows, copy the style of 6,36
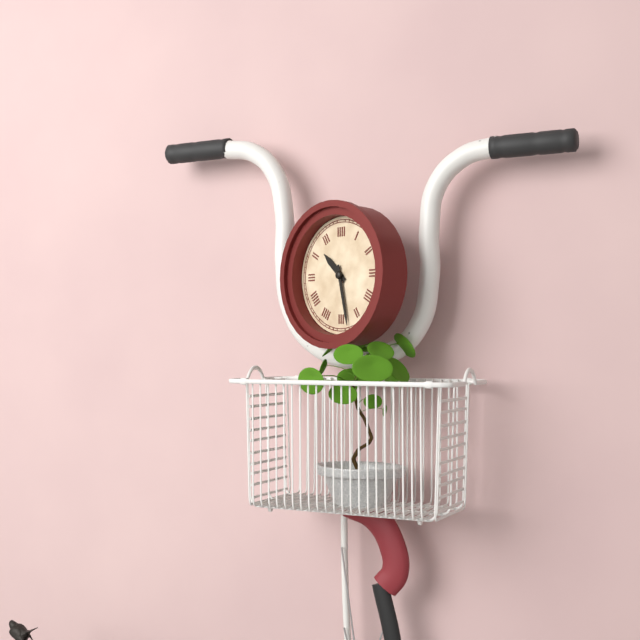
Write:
10,28
